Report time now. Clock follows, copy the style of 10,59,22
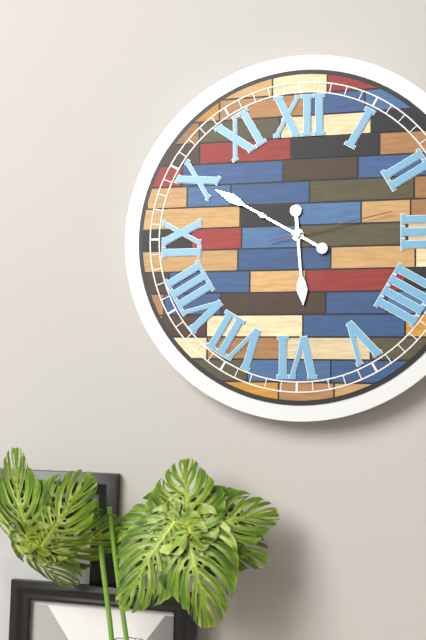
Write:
5,50,13
